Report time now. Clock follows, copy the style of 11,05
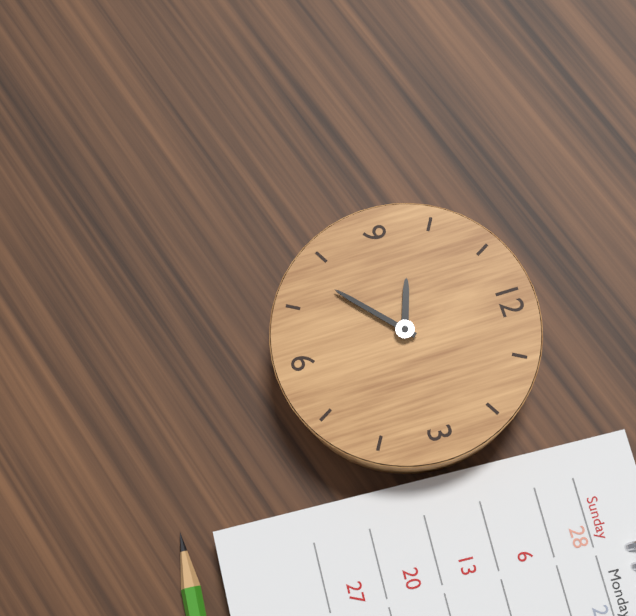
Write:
9,38
